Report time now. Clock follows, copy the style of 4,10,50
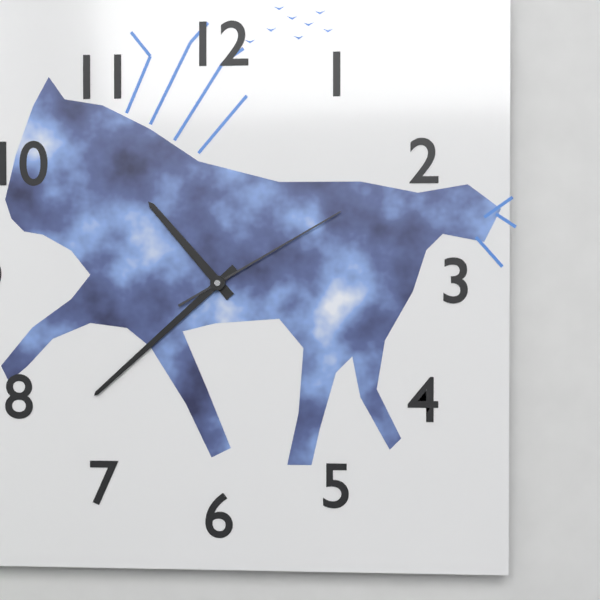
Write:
10,38,10
